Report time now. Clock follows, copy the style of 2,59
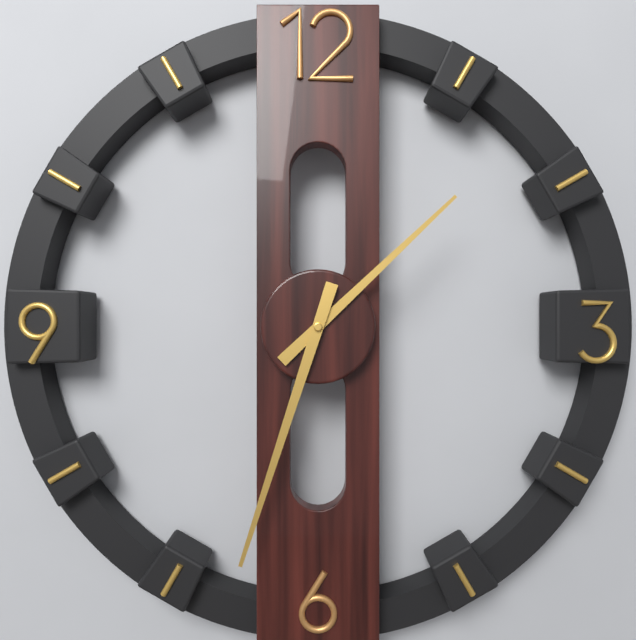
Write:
1,33
